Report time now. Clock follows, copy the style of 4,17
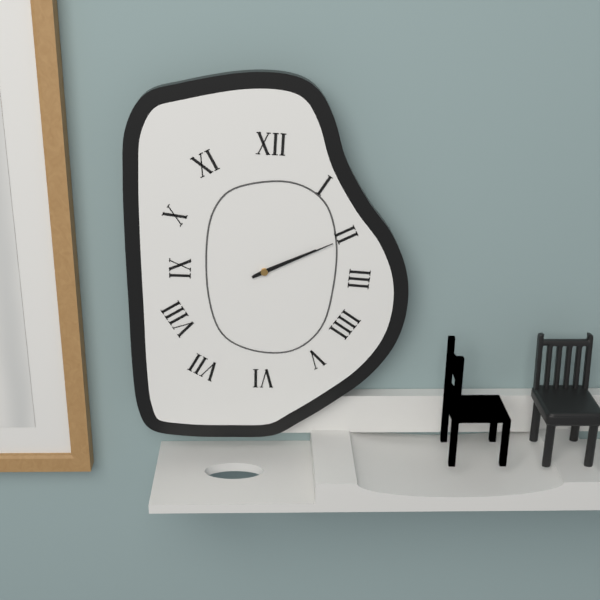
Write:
2,11
